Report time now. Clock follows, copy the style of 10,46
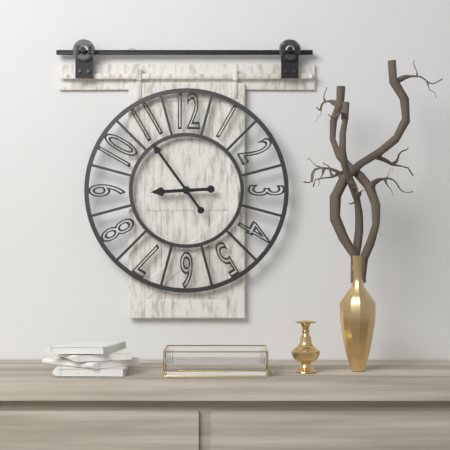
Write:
8,54
